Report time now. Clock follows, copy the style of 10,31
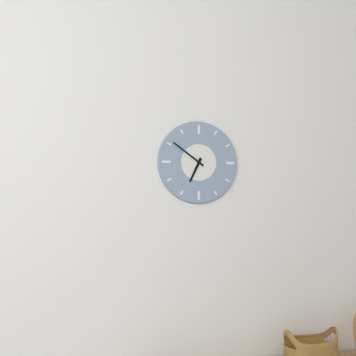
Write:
6,51
